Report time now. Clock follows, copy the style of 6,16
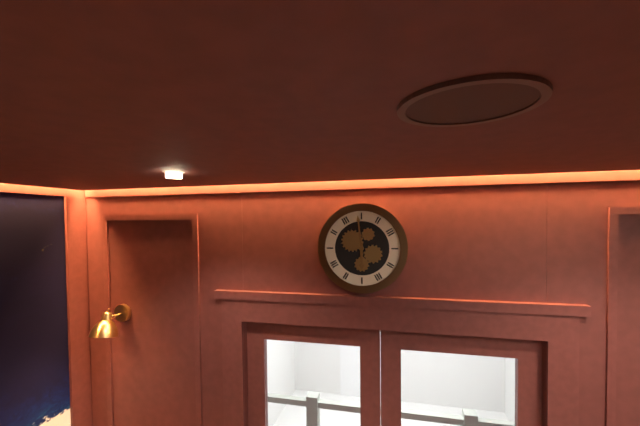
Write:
5,59
